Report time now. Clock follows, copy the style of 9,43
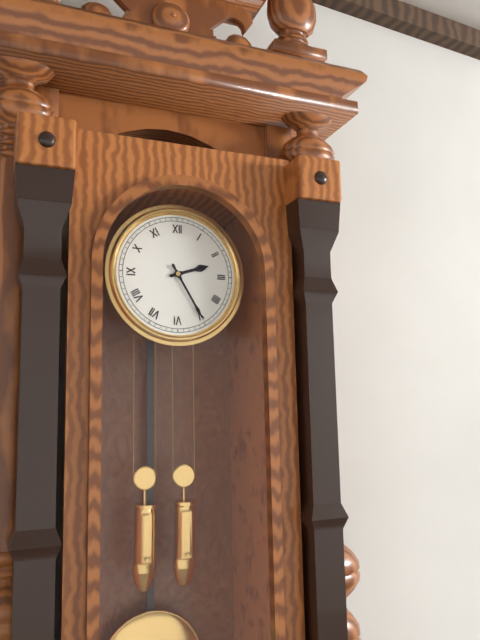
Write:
2,25
